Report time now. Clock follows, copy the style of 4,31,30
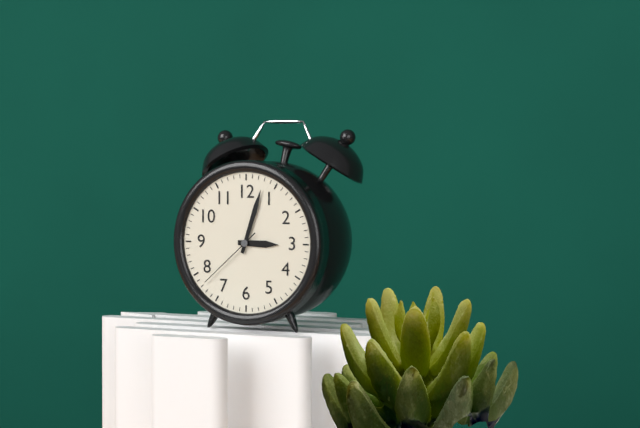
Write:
3,03,38
